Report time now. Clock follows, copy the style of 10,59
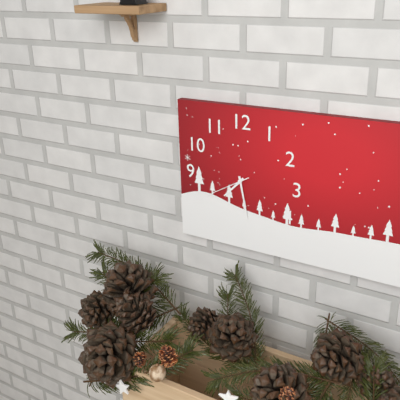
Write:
7,28
